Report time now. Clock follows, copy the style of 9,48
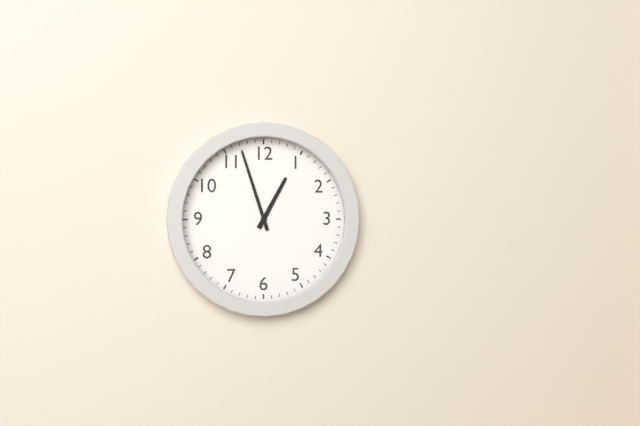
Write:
12,57
